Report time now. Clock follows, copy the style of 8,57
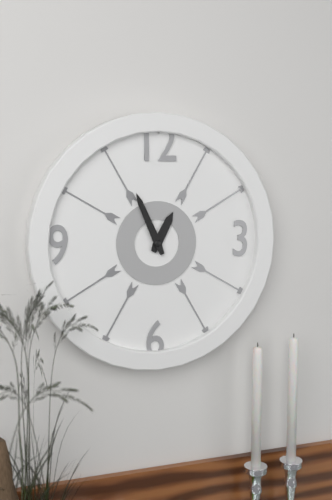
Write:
12,56
